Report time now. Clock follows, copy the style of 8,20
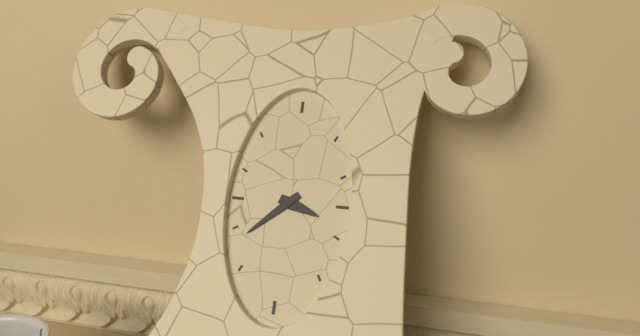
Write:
3,38
